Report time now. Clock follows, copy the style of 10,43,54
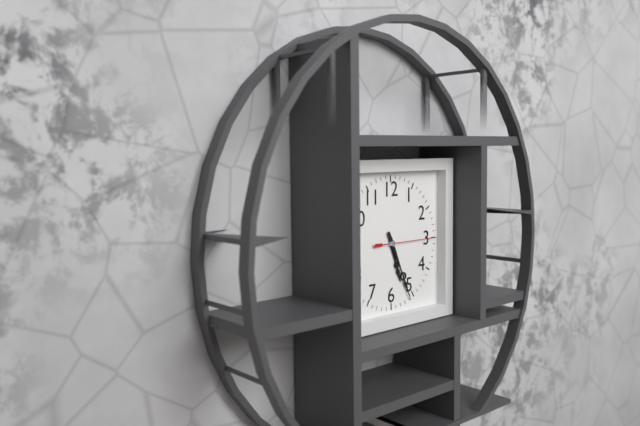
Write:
5,26,15
